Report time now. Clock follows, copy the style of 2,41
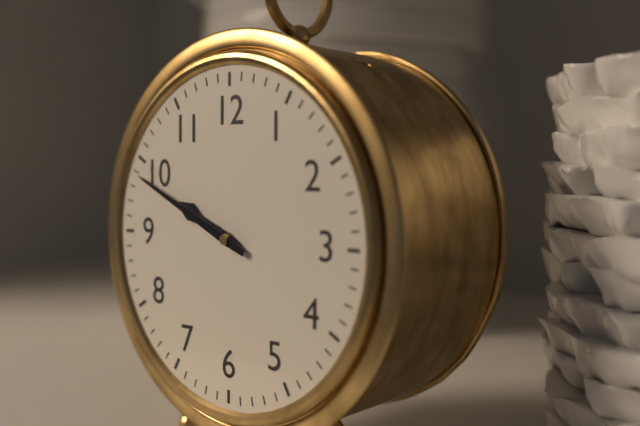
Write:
9,49
